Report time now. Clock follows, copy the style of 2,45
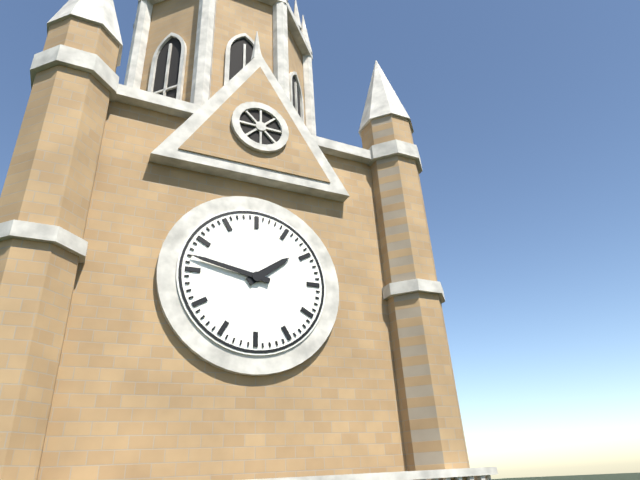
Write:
1,47
